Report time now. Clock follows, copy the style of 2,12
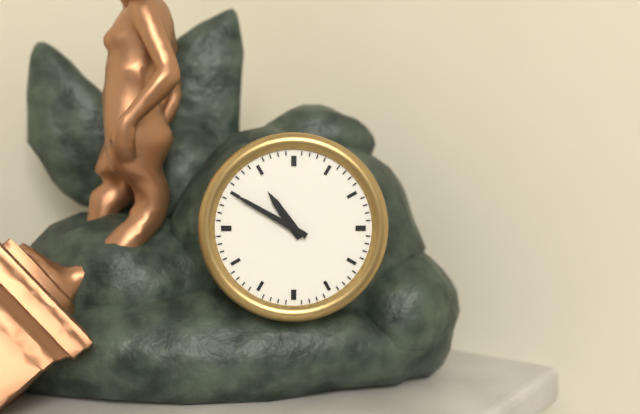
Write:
10,50
